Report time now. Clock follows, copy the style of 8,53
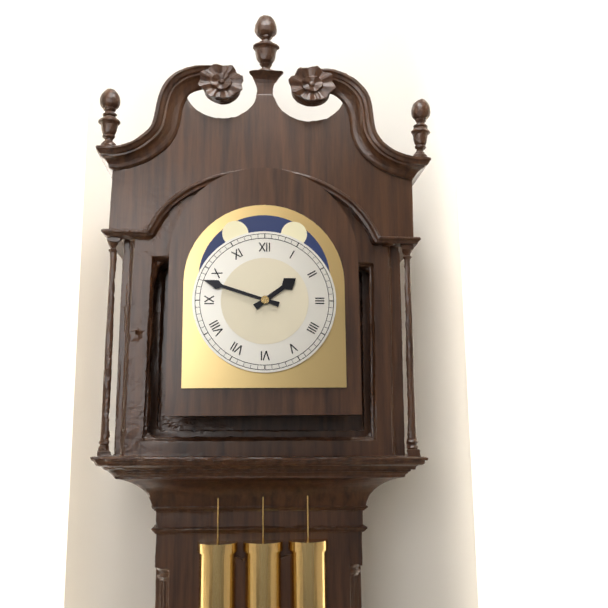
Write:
1,48
